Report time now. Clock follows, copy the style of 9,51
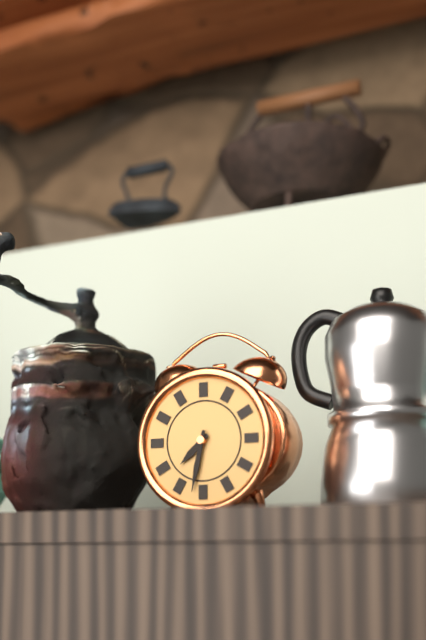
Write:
7,32
